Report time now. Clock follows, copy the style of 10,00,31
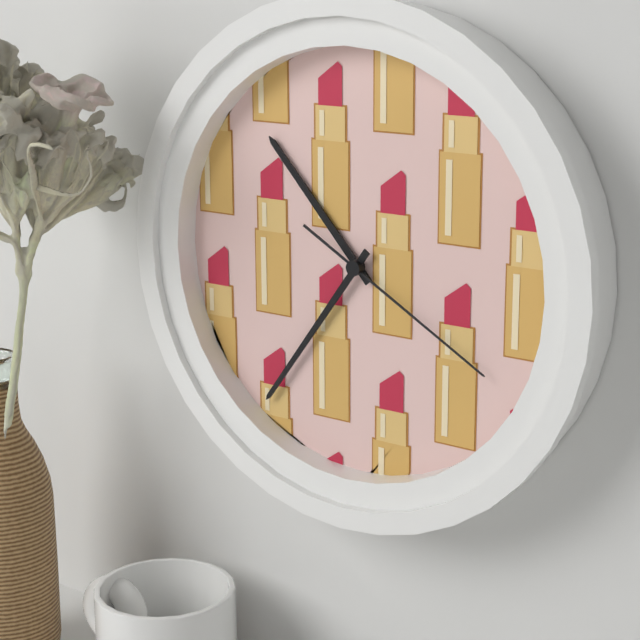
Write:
10,36,20
